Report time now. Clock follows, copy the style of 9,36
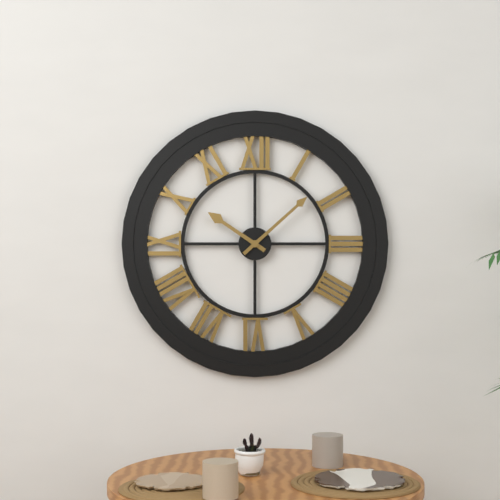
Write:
10,08
